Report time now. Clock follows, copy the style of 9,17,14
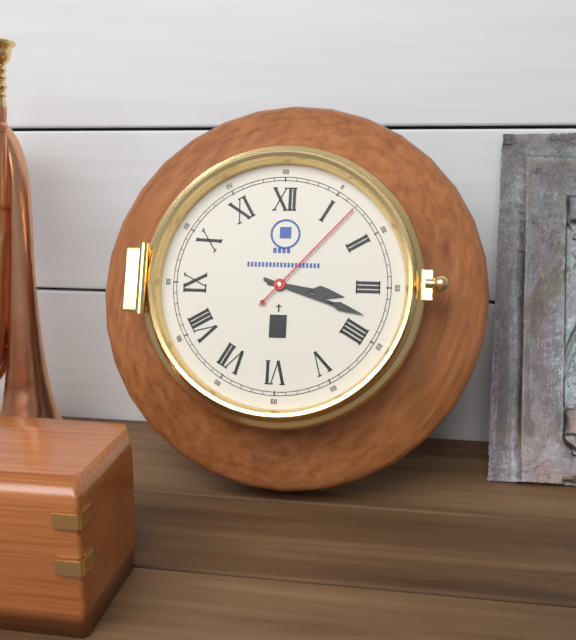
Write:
3,18,07
